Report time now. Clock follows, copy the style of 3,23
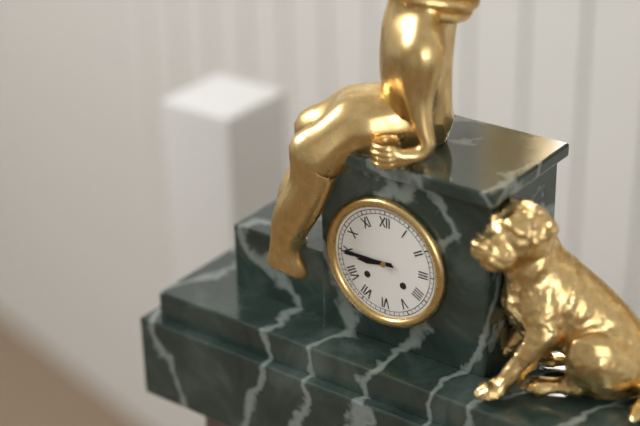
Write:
8,45
